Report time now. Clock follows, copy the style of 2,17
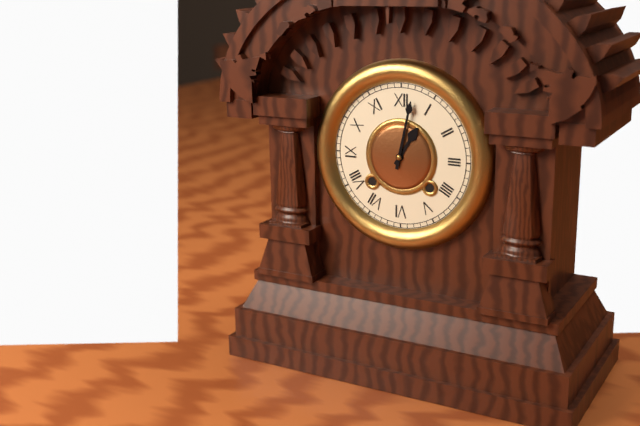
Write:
1,02
